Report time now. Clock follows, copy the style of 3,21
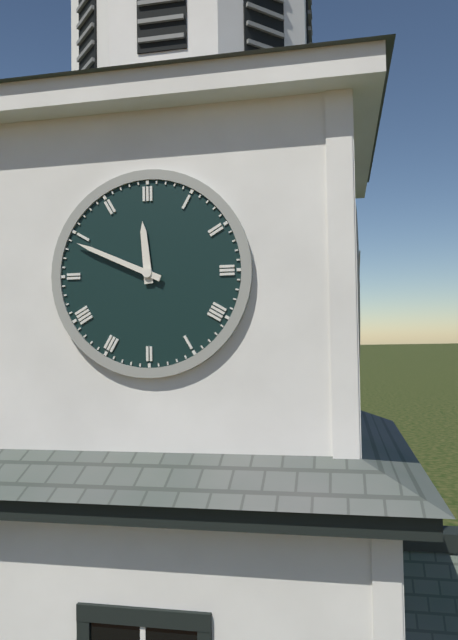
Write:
11,49
